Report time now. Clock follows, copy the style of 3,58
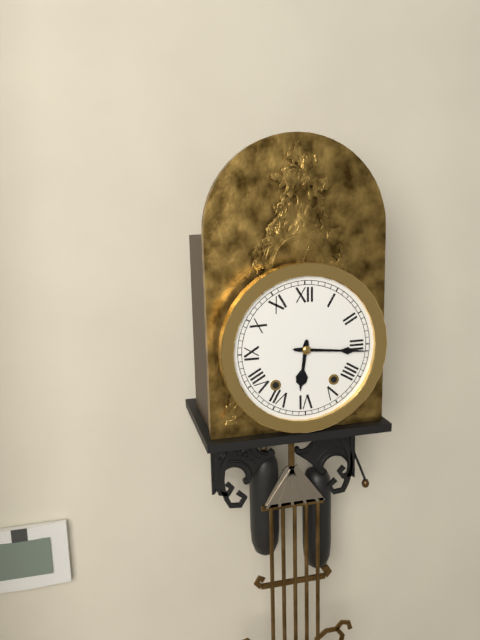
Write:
6,16
